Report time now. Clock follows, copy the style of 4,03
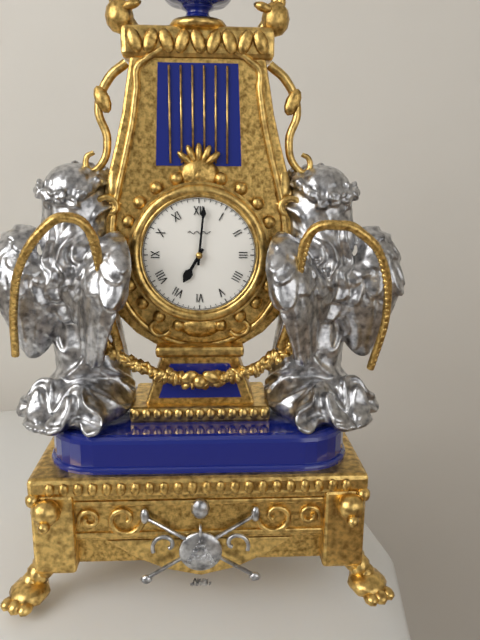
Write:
7,01
